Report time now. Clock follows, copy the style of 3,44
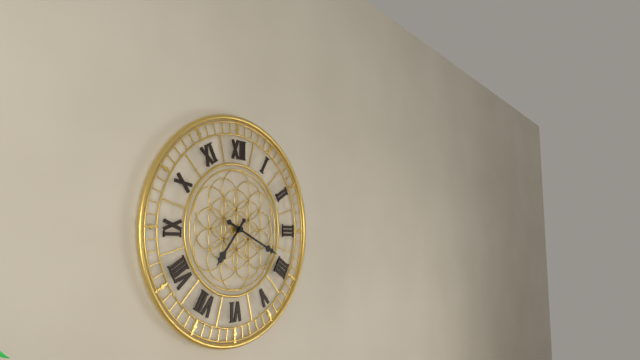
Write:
7,19
